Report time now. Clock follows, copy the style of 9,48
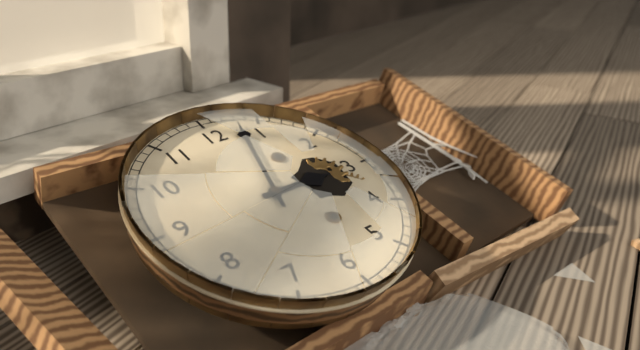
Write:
3,03
